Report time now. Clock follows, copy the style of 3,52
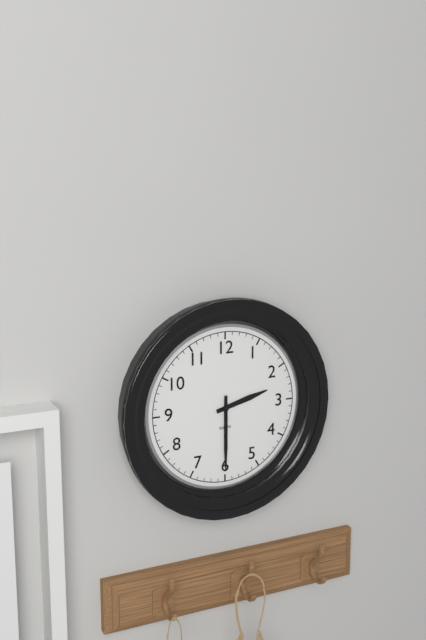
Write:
2,30
